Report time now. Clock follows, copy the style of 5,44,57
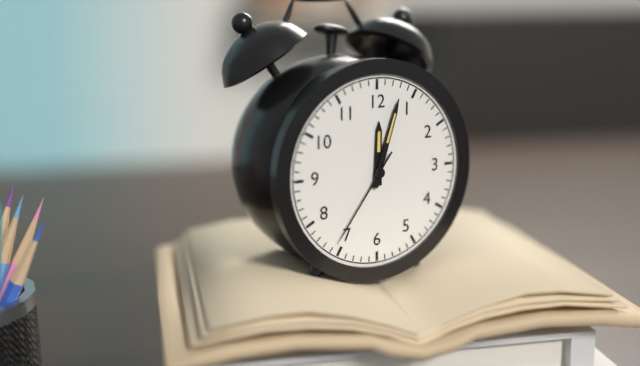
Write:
12,03,36
